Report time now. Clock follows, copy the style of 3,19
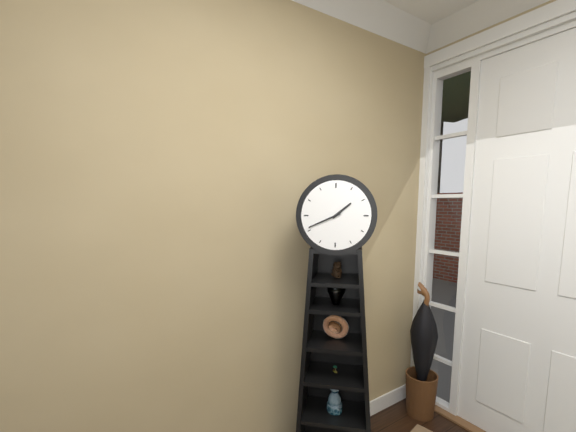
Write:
1,41
